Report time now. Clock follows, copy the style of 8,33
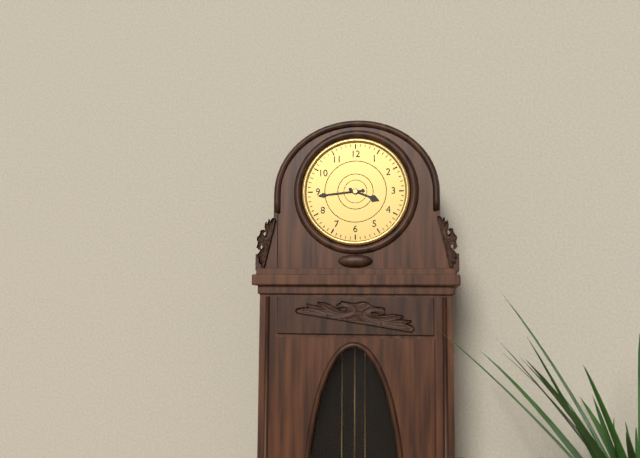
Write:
3,44
